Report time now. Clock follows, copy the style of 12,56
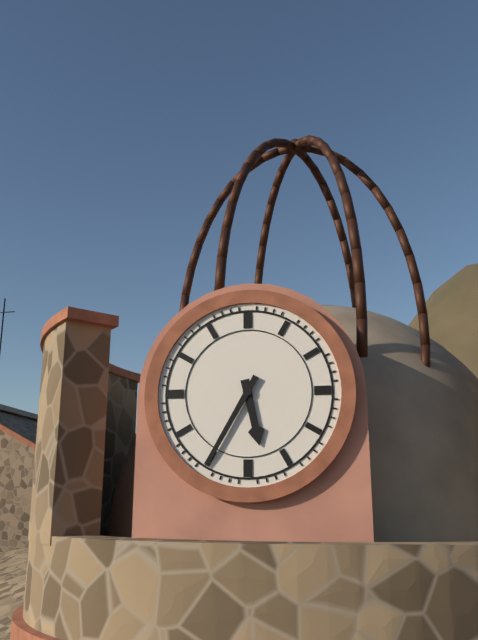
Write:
5,35
